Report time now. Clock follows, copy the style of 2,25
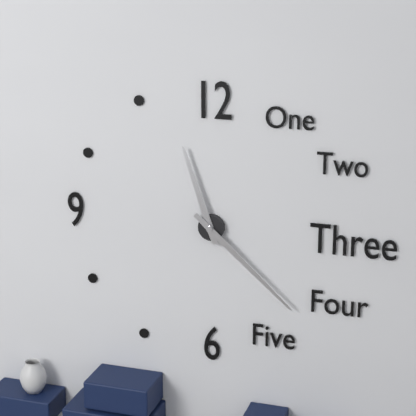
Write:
11,22
